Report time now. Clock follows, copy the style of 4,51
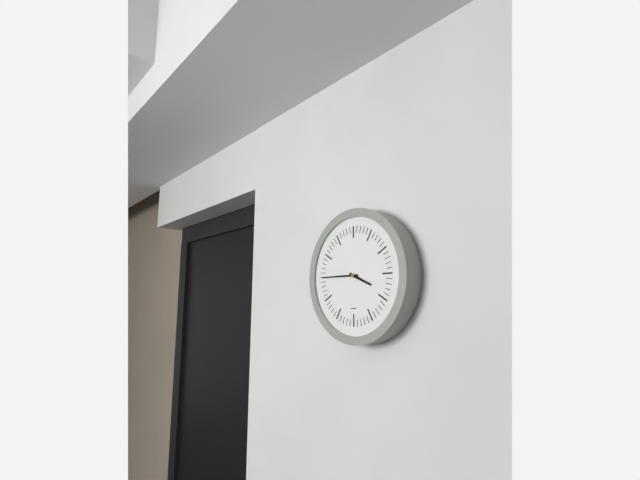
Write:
3,45
